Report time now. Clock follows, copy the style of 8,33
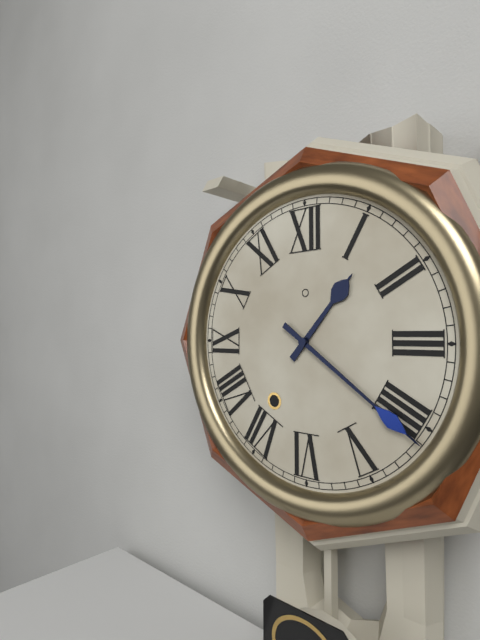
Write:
1,21
